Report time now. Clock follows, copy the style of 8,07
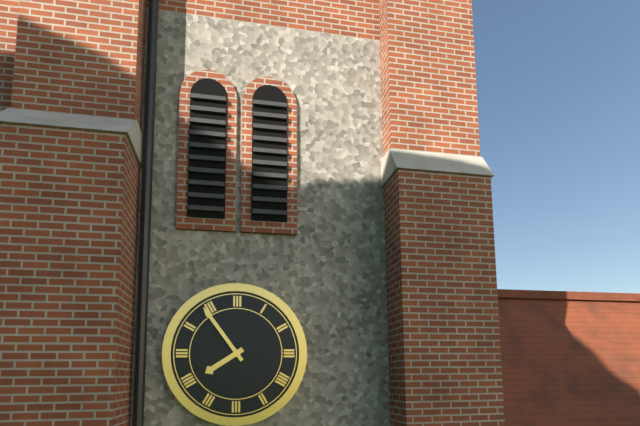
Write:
7,54
